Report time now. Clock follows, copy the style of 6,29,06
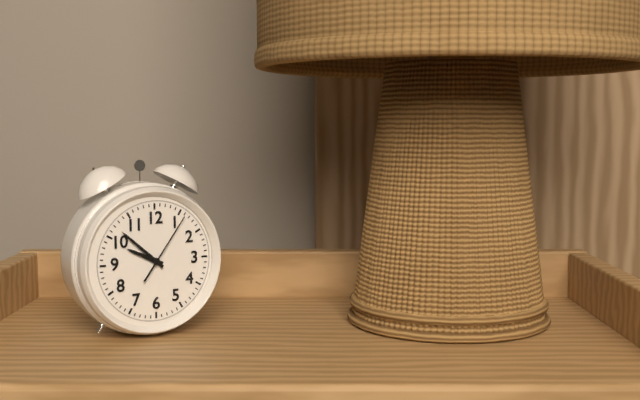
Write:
9,52,06
